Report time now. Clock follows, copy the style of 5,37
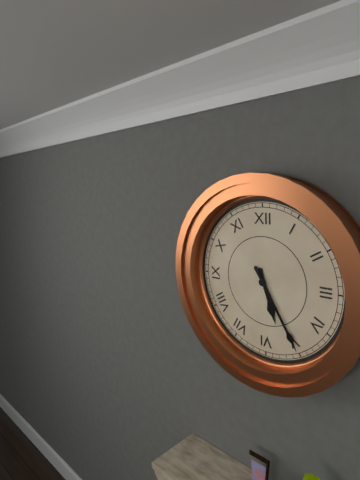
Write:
5,25
